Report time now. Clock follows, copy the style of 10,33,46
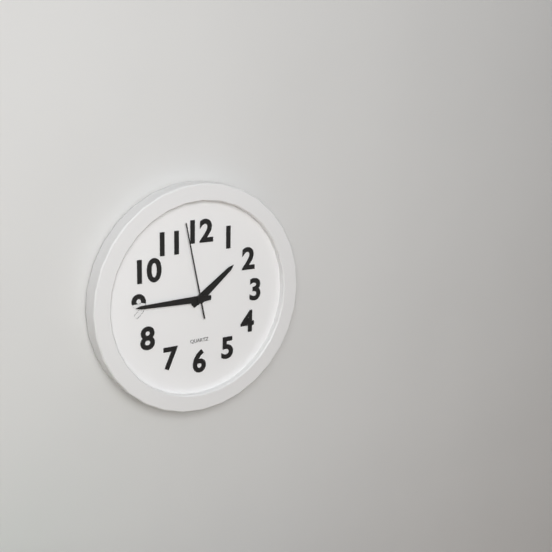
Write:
1,45,58
